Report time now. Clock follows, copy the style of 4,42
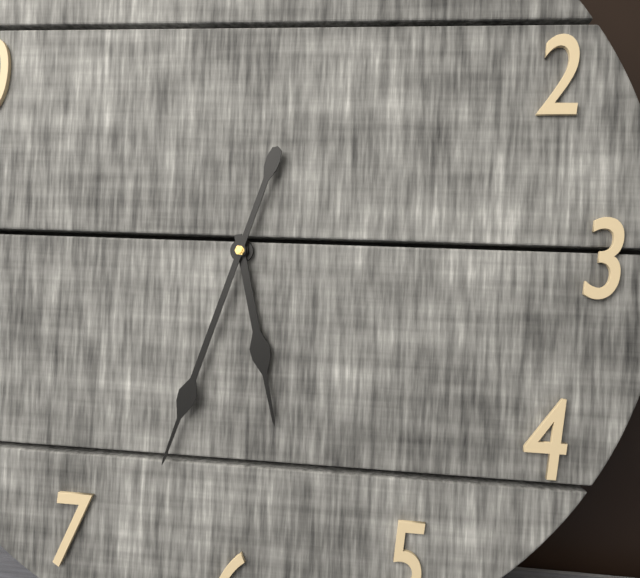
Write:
5,33
